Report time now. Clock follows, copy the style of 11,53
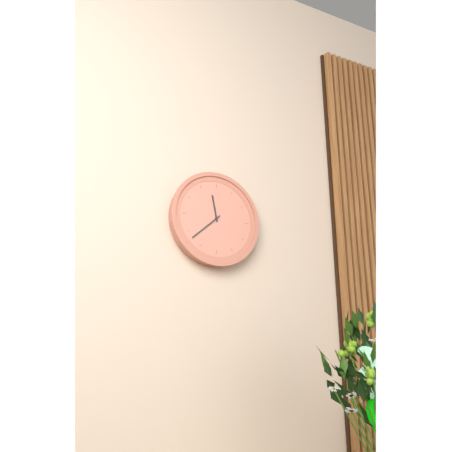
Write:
11,38
